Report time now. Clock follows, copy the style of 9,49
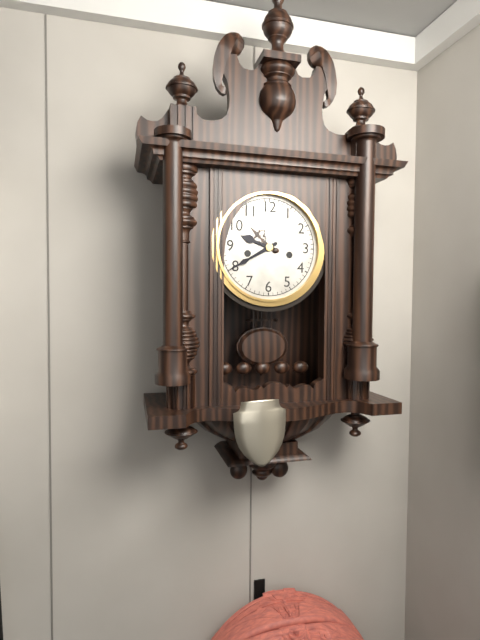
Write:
9,40
